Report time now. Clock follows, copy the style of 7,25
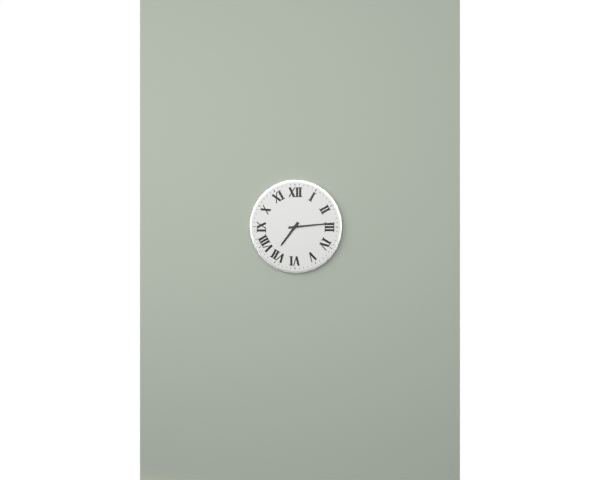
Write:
7,14
